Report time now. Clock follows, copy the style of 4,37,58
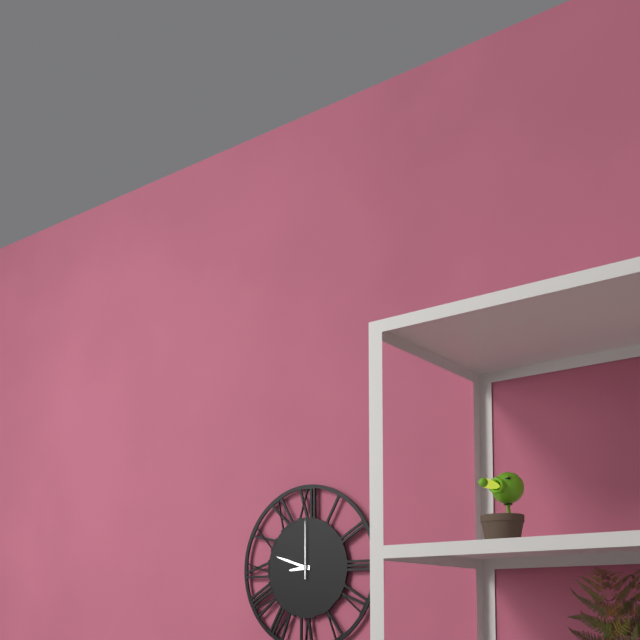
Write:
8,48,00
